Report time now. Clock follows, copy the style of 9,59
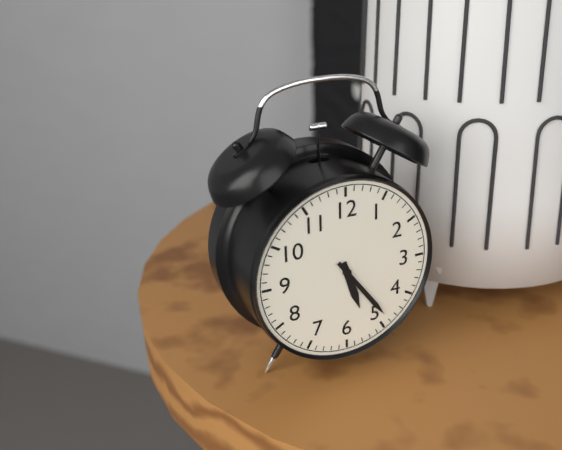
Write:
5,24
